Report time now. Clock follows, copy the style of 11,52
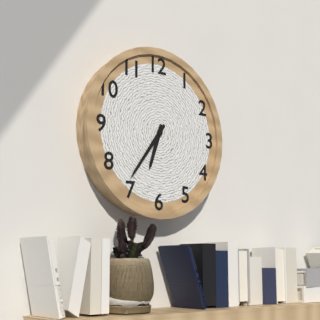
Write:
6,36
